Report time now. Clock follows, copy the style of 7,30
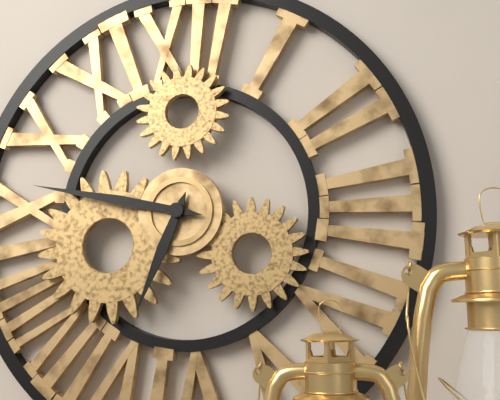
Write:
6,47
